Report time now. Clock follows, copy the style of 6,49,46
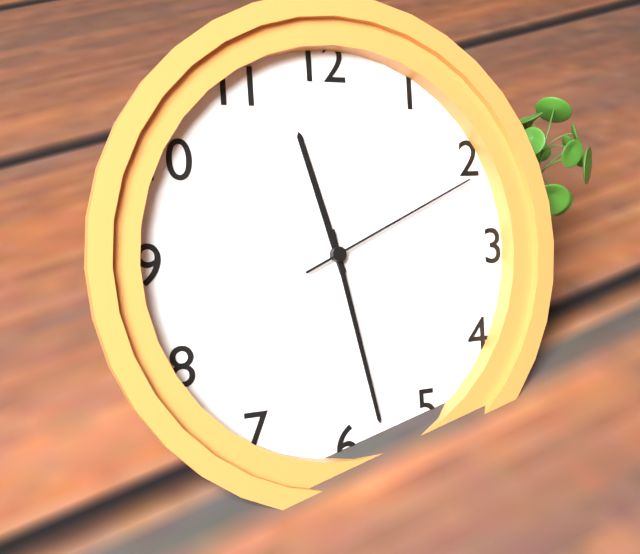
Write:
11,28,11
